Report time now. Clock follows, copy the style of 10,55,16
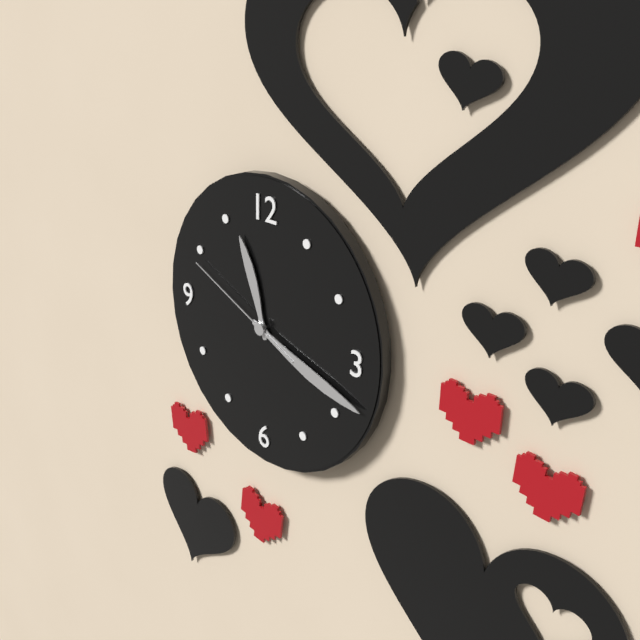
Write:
11,18,49
